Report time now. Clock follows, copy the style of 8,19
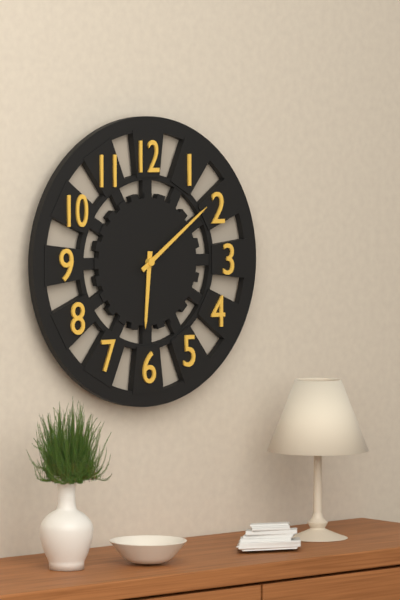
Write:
6,09
